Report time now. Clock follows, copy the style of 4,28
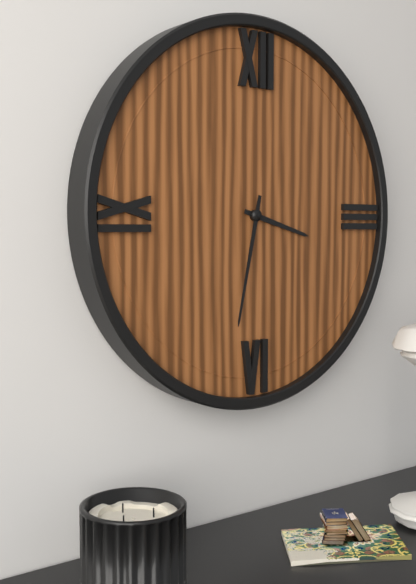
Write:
3,32
